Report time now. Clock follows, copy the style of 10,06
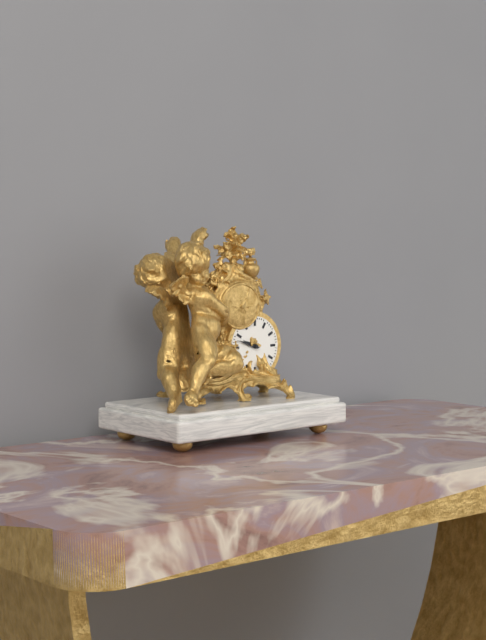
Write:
9,48
